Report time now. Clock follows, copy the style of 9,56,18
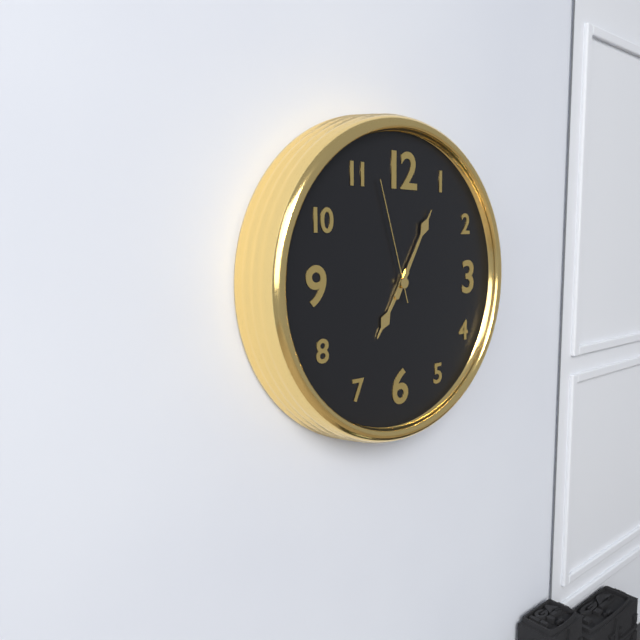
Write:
7,05,57
